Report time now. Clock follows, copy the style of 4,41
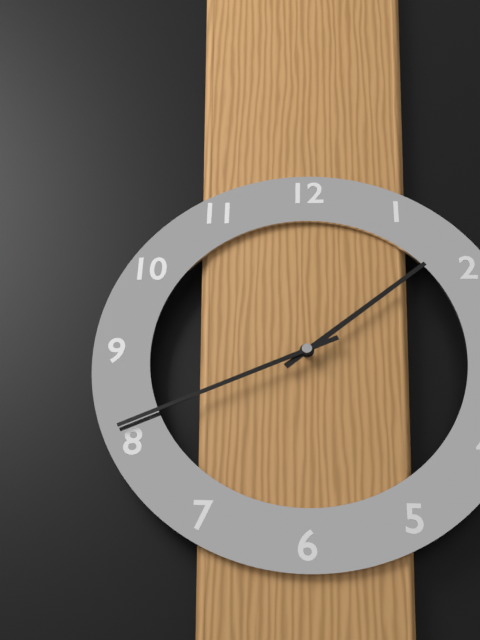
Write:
1,41
